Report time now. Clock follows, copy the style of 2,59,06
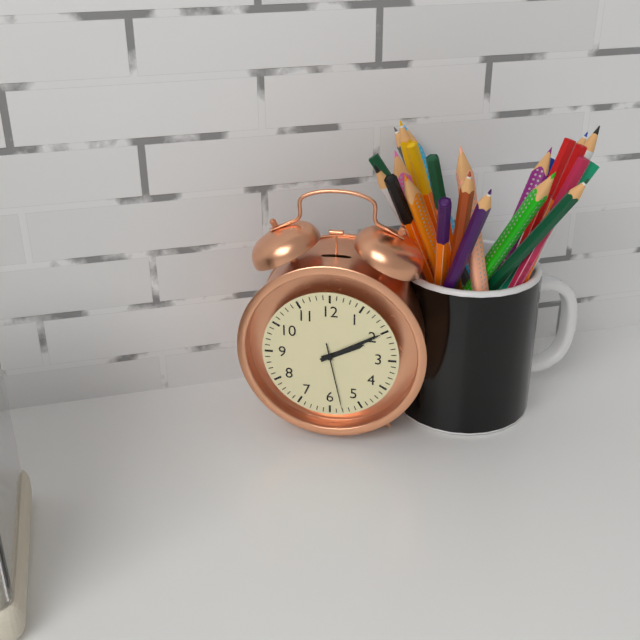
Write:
2,10,28
